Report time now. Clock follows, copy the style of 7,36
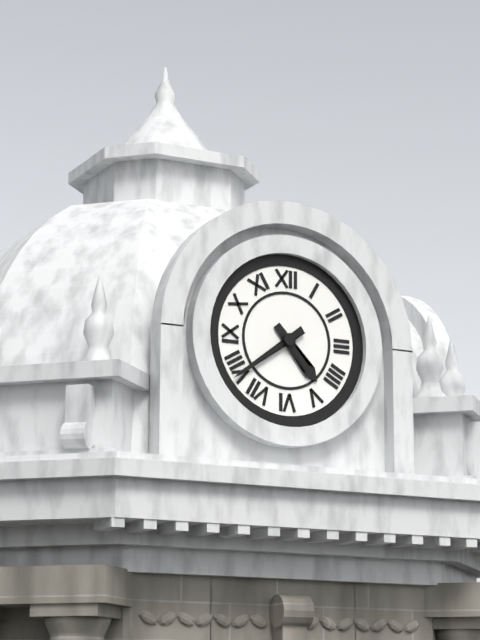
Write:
4,39
